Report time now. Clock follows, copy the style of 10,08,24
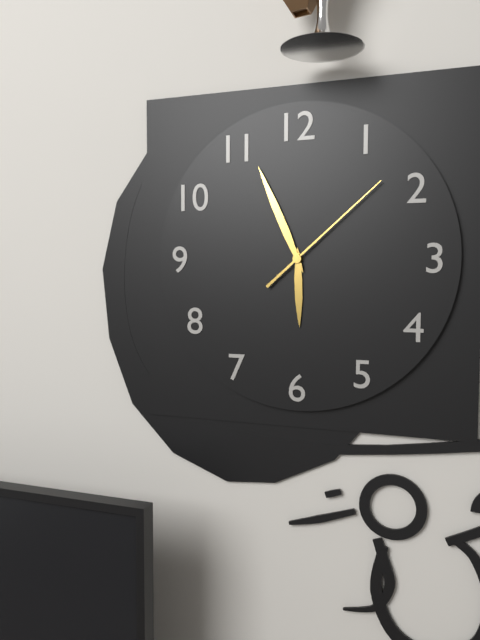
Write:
5,56,08
